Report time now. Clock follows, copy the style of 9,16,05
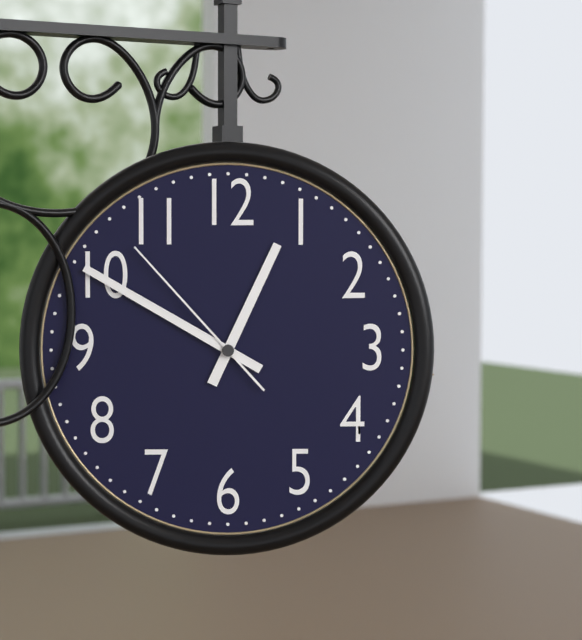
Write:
12,50,53
